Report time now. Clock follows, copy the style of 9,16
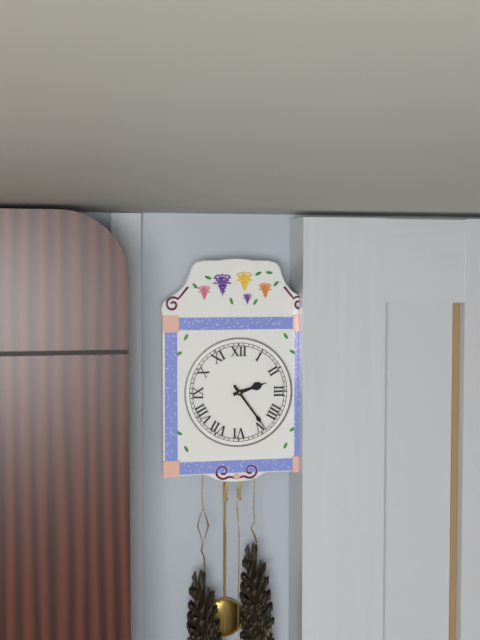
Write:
2,24
